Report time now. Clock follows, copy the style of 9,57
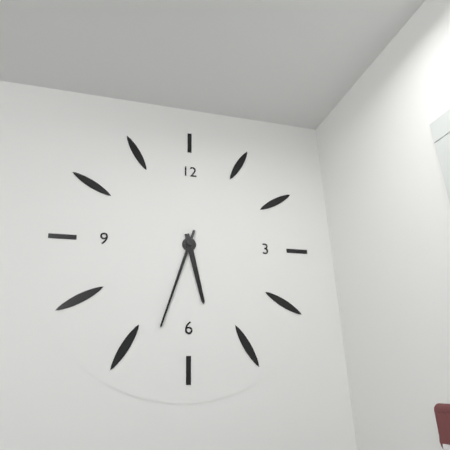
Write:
5,33
